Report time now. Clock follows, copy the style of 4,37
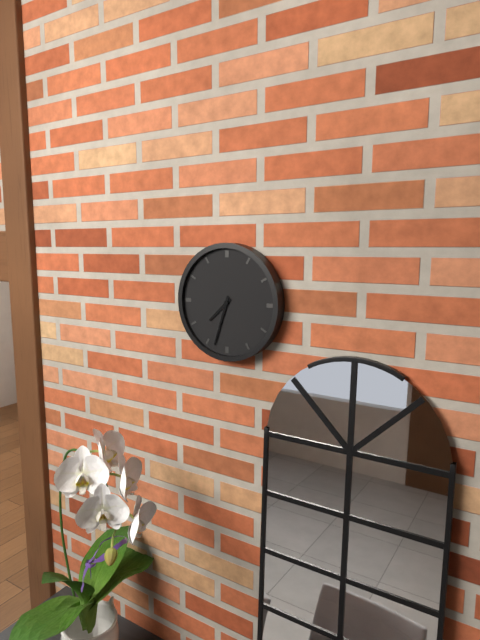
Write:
7,33
